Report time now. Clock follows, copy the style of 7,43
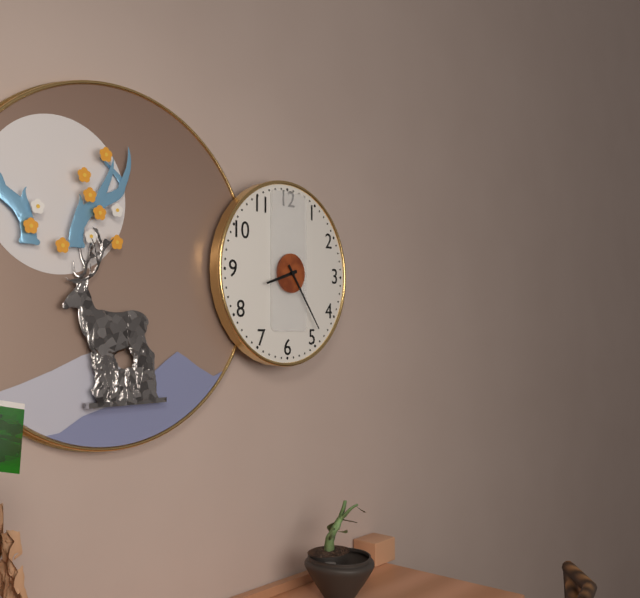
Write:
8,24
